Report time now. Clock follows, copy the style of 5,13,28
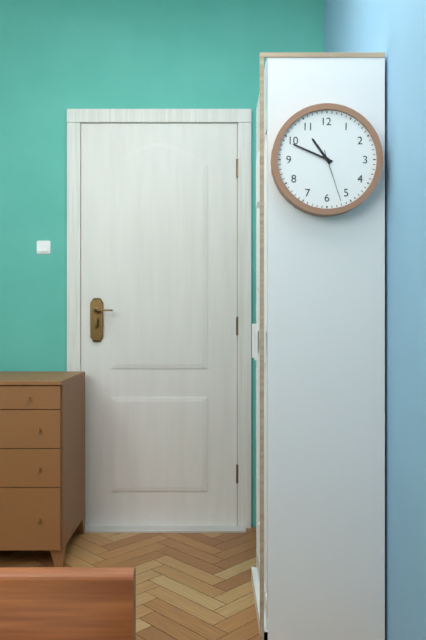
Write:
10,49,27
